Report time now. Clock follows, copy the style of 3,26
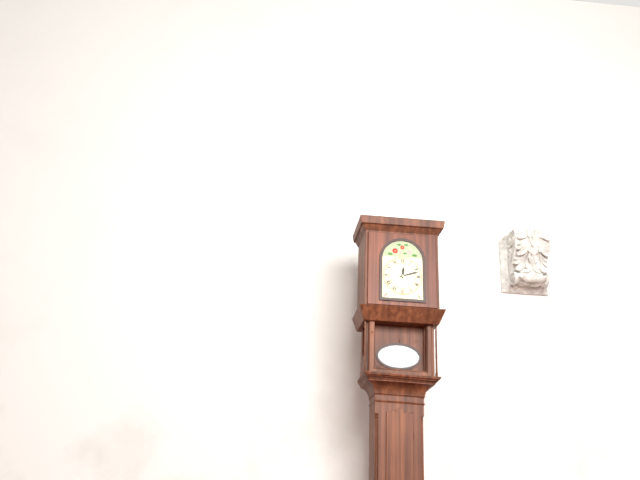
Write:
12,12
